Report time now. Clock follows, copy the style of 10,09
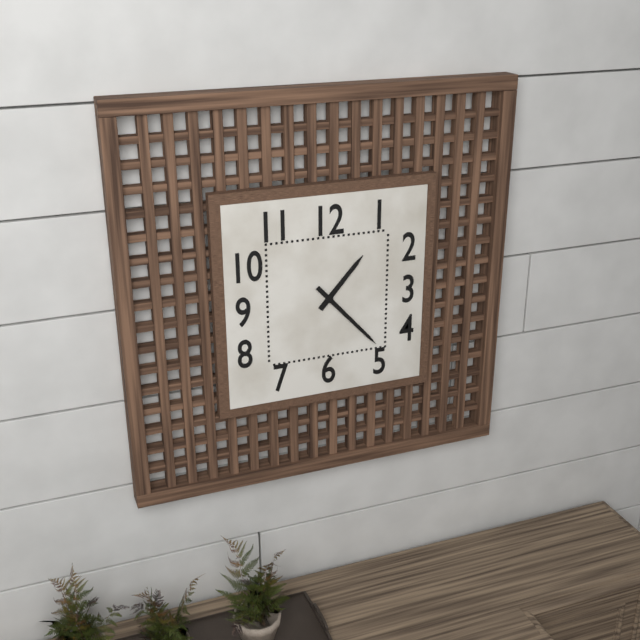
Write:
1,23
